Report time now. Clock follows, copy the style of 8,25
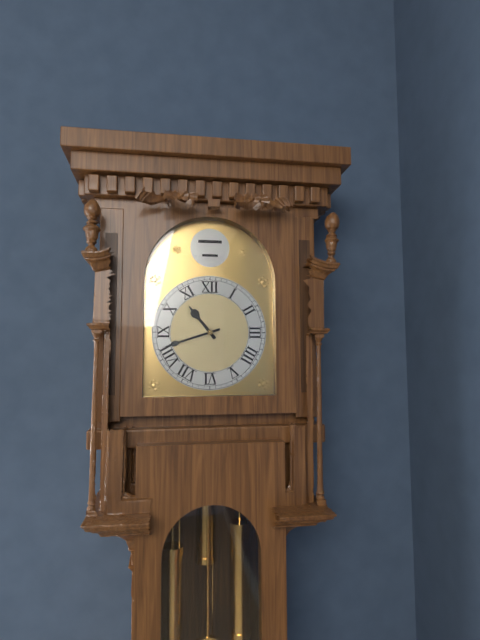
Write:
10,42
